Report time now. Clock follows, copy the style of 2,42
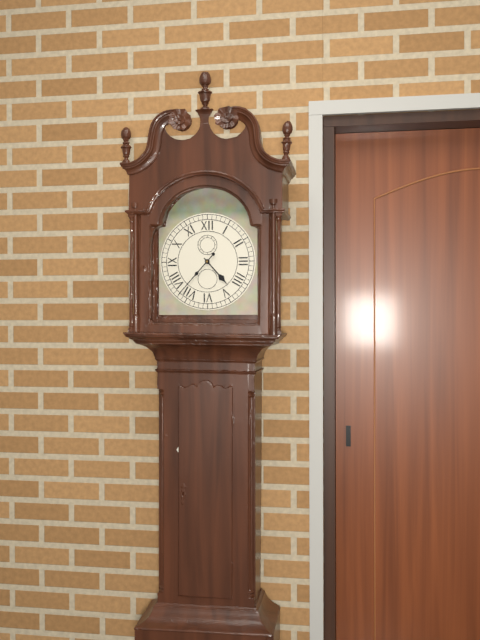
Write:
4,37
